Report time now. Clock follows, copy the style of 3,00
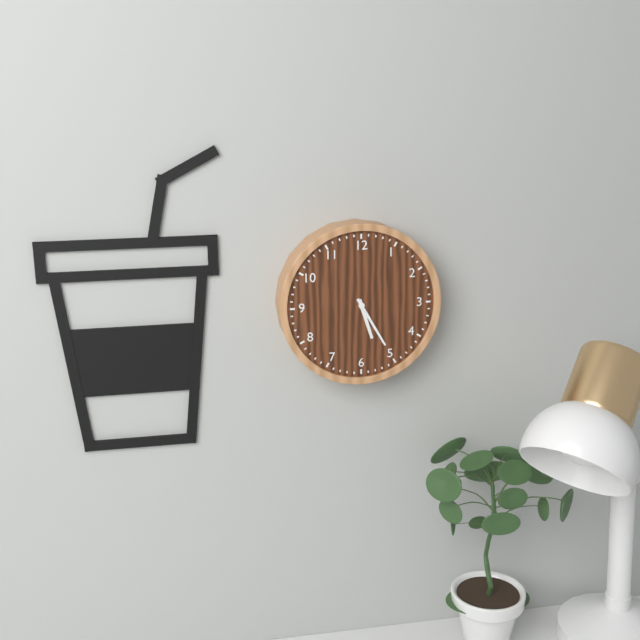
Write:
5,25
